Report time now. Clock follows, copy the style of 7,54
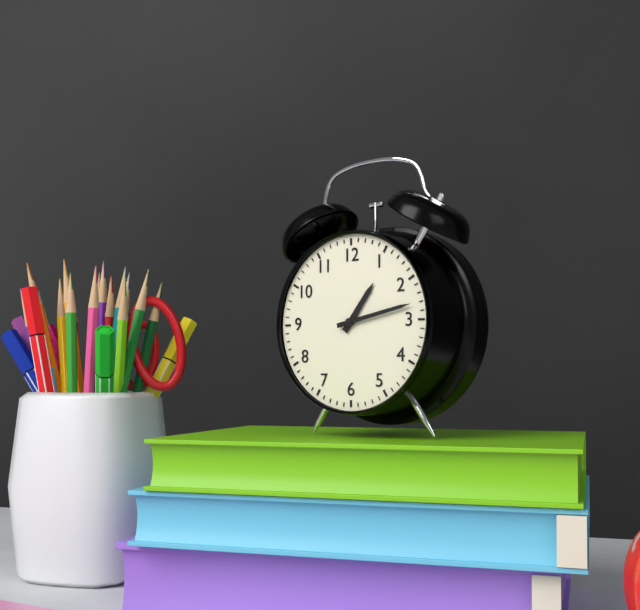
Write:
1,13
